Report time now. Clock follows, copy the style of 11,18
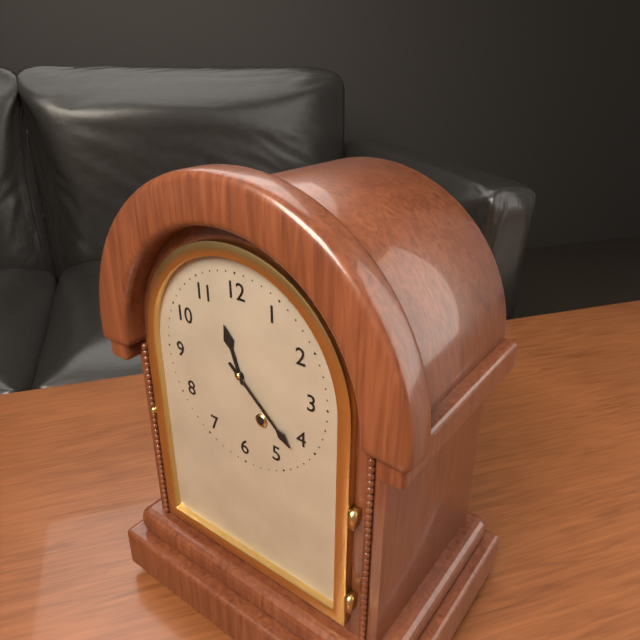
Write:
11,22
